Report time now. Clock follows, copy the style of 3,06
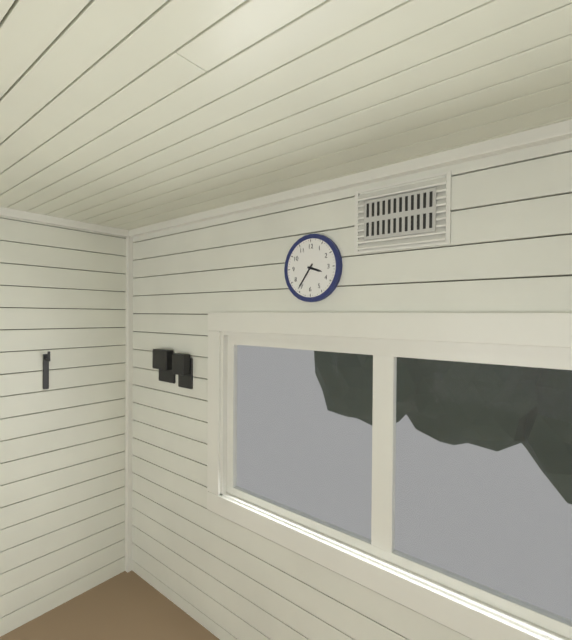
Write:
3,36
